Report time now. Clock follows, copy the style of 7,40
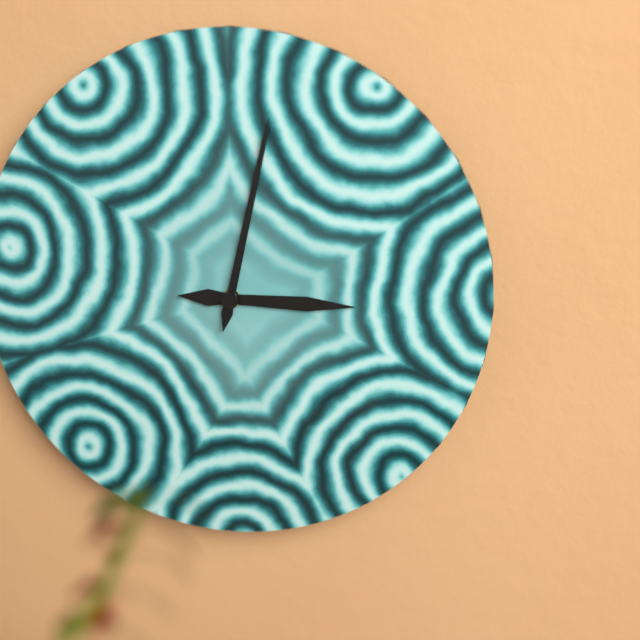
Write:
3,02
